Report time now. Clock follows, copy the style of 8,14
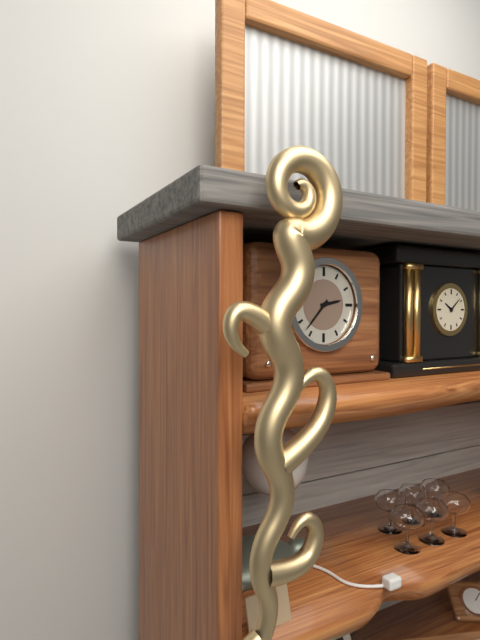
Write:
2,37
